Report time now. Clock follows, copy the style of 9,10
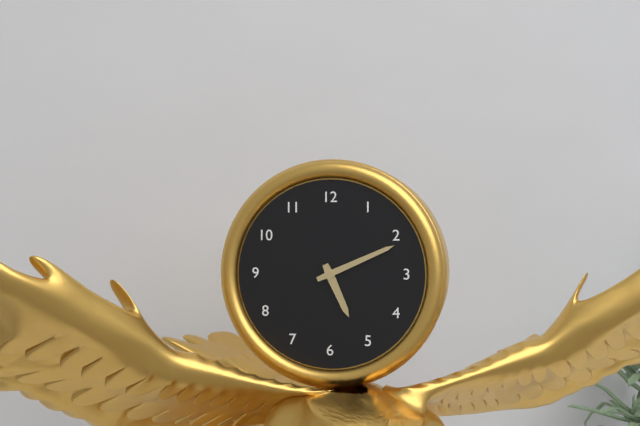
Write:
5,11
